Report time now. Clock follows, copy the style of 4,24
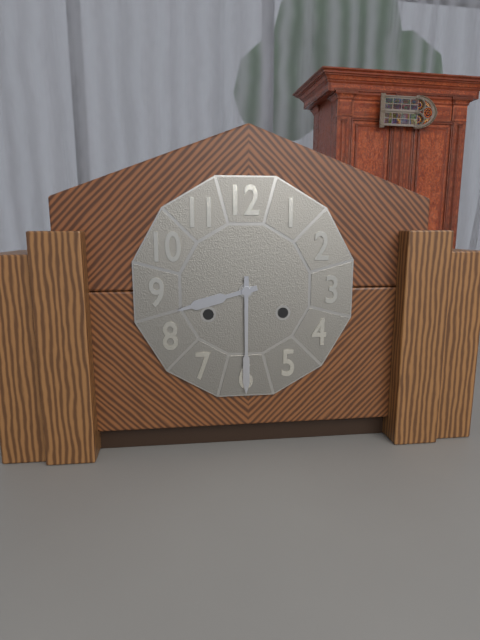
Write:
8,30
